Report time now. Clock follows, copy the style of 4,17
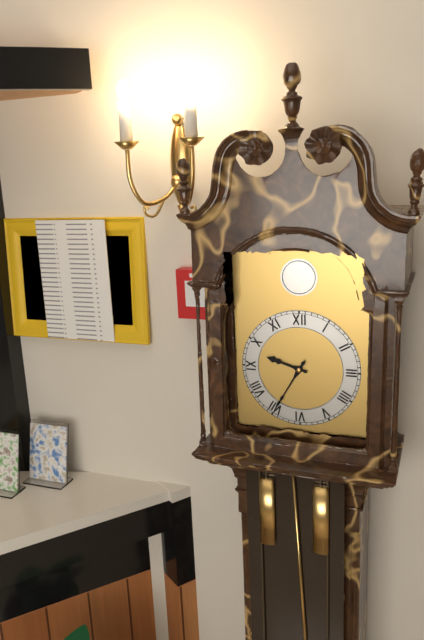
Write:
9,35
